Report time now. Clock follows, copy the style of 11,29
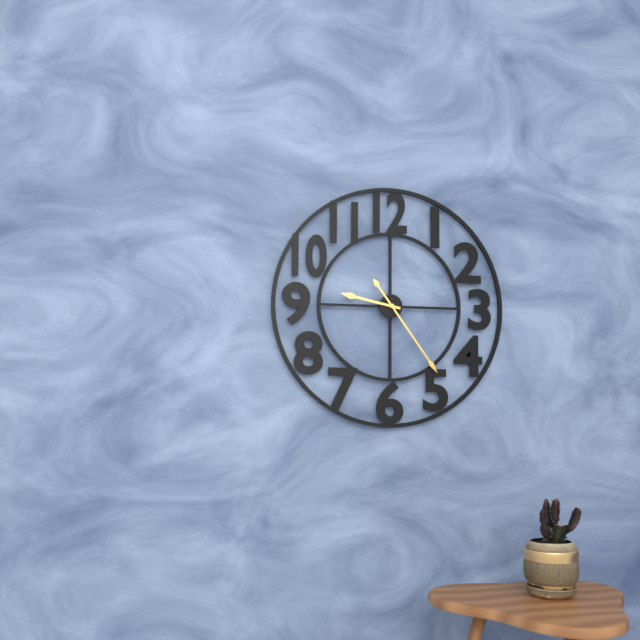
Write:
9,24
